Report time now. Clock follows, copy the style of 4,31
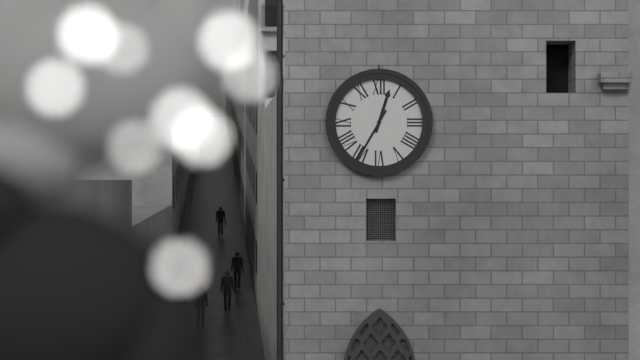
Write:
12,35
